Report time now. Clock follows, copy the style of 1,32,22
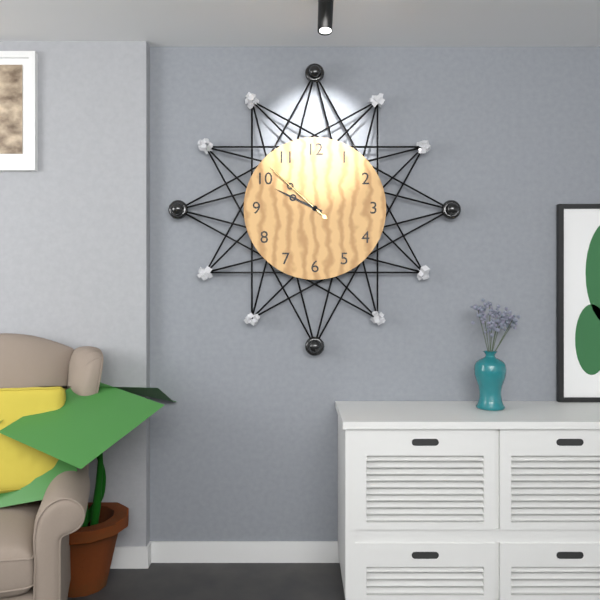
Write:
9,52,52
